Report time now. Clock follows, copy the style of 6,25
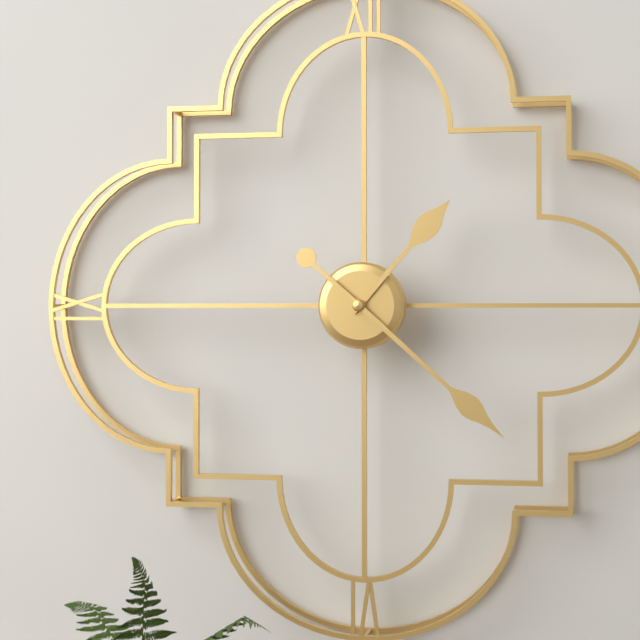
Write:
1,22
